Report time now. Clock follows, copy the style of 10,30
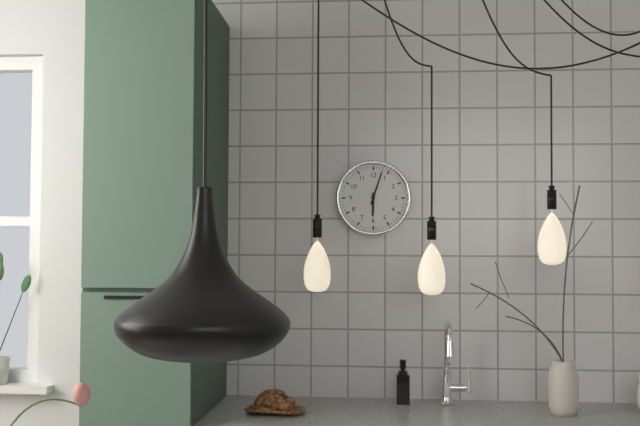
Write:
6,03
